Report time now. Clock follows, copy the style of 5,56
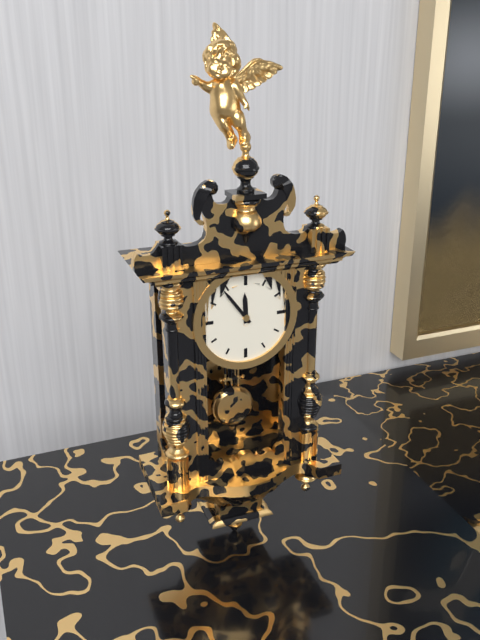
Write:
11,54
